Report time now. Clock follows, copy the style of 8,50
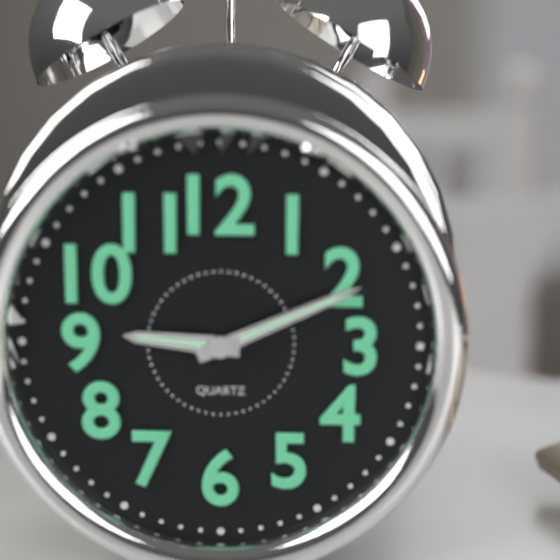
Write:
9,11
